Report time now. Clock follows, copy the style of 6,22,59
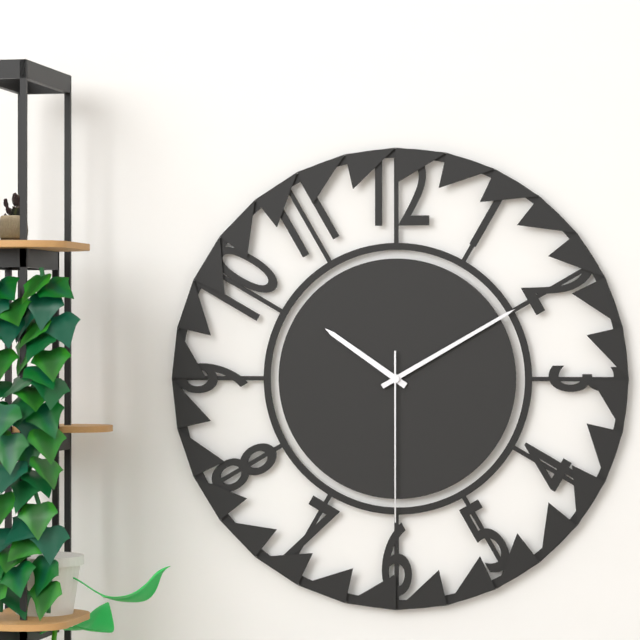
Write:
10,10,30
